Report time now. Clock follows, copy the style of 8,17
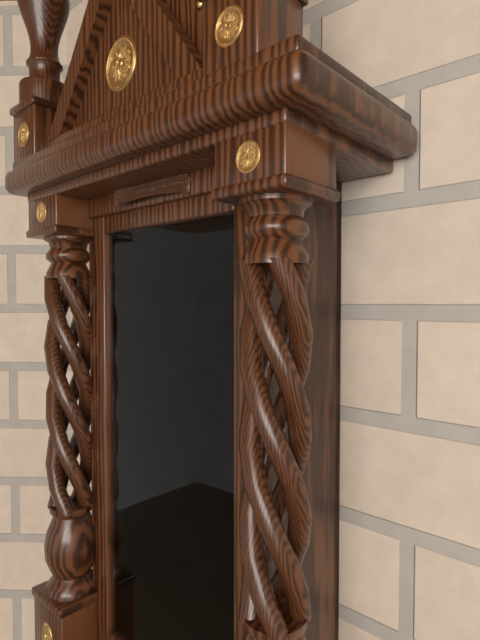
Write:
9,28
